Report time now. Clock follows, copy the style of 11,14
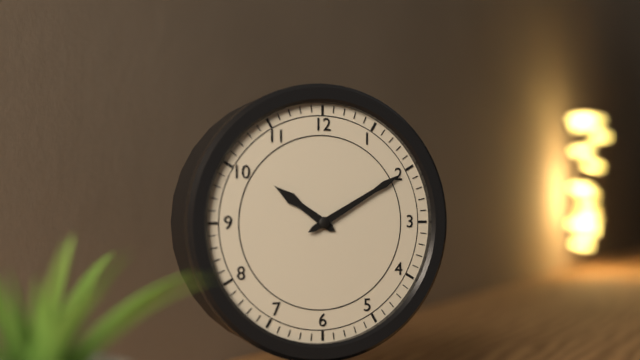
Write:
10,10
